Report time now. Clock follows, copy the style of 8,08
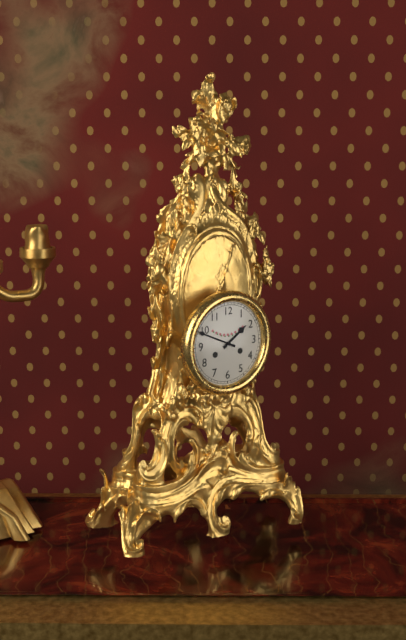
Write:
1,49
